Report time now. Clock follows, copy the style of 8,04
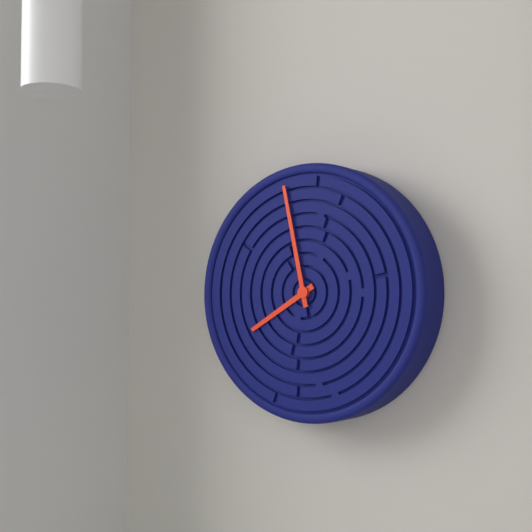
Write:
7,58
